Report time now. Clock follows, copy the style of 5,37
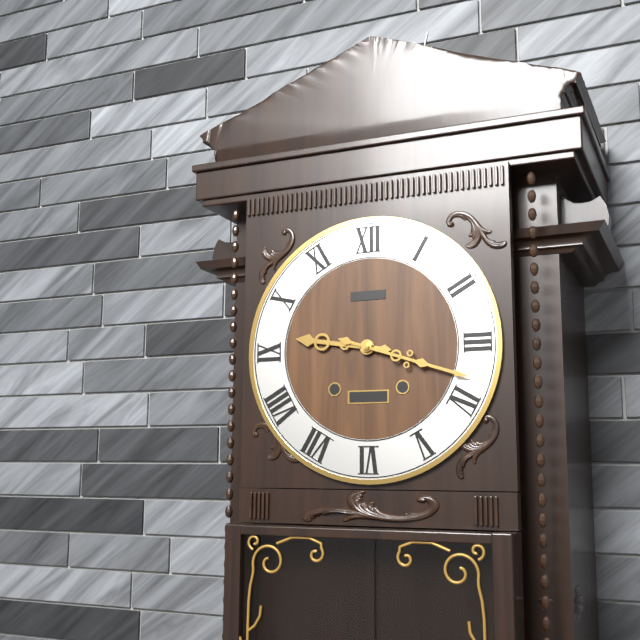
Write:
9,18
